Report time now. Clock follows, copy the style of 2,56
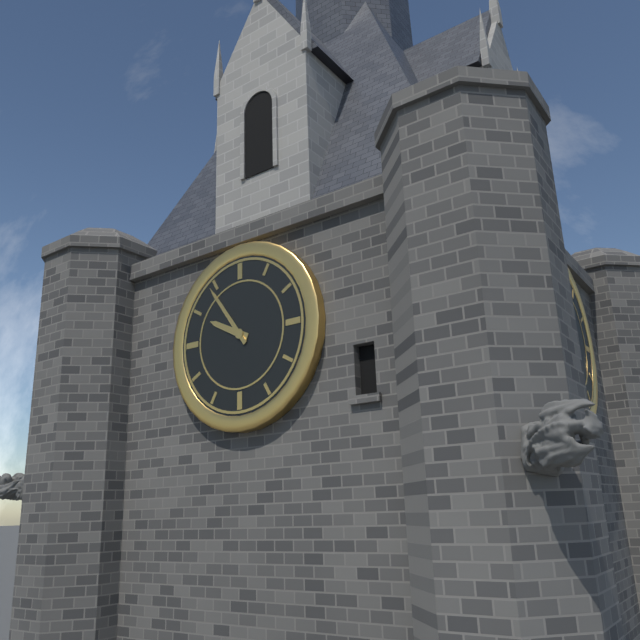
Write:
9,54
